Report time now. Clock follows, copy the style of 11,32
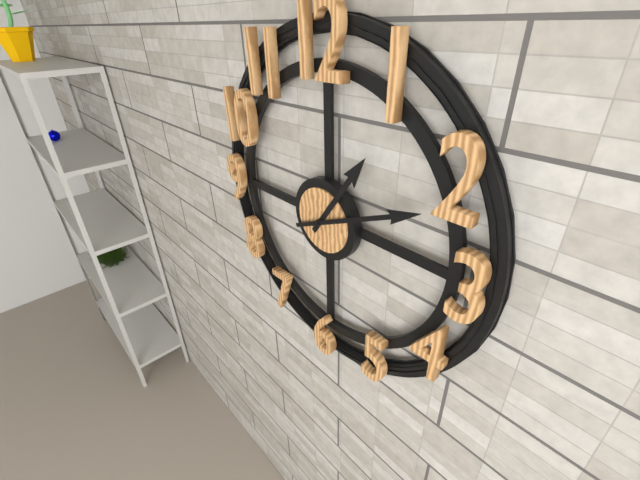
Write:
1,11
